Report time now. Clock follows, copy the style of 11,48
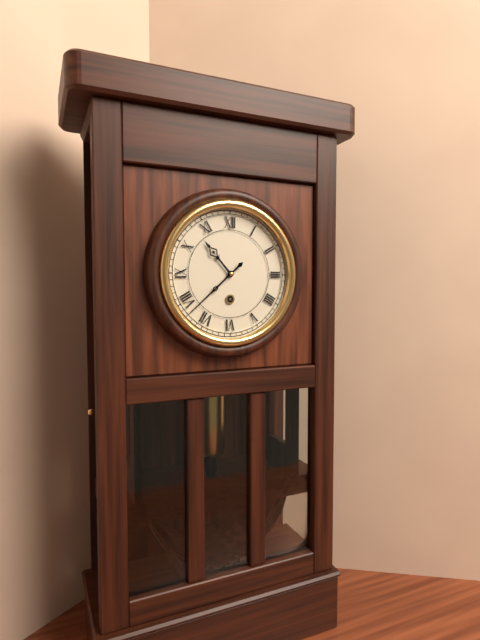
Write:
10,38
